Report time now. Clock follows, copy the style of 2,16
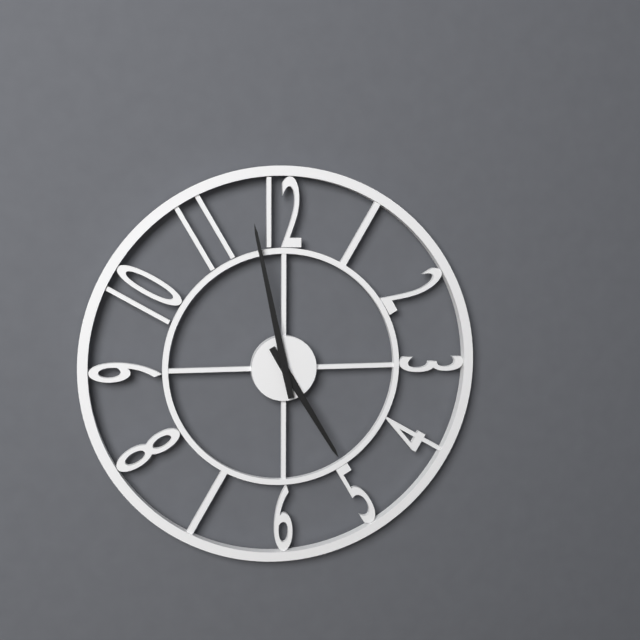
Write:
4,58
